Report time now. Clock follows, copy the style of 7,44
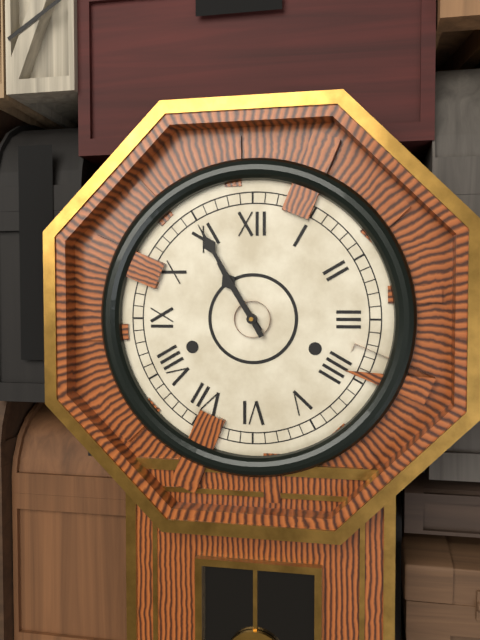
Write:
10,55
